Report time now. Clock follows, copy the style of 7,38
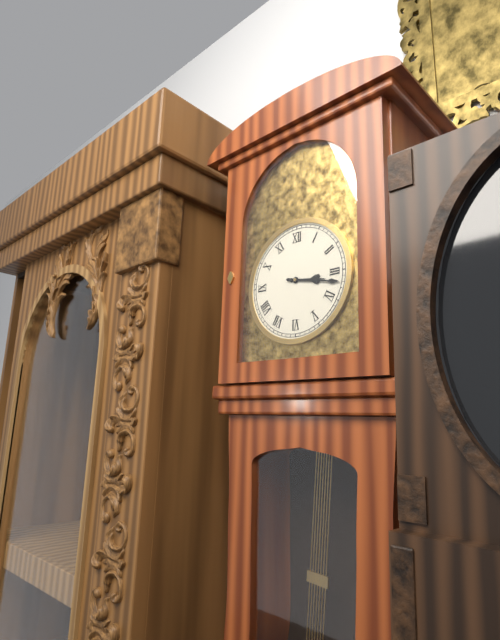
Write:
3,17
